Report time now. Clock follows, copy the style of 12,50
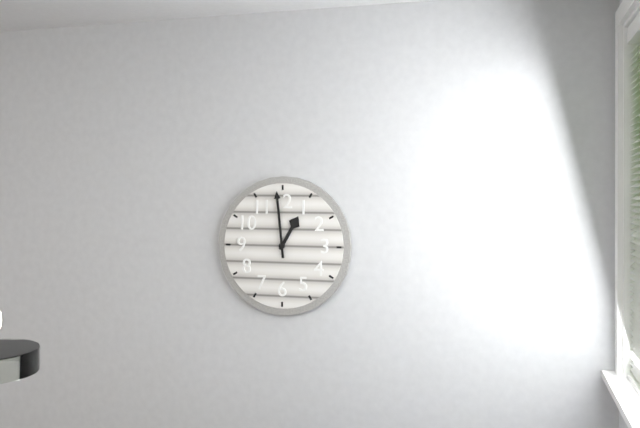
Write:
12,59
